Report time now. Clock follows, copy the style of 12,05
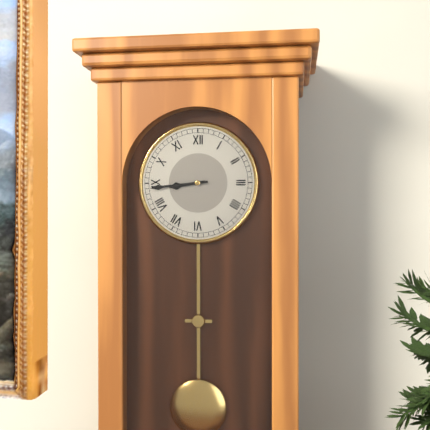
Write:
8,44
